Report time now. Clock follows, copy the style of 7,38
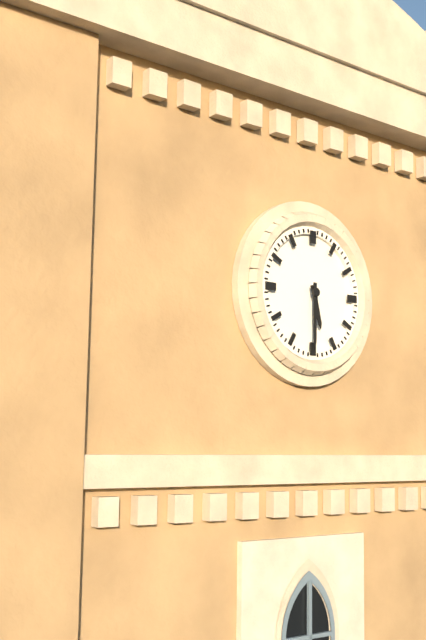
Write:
5,30
